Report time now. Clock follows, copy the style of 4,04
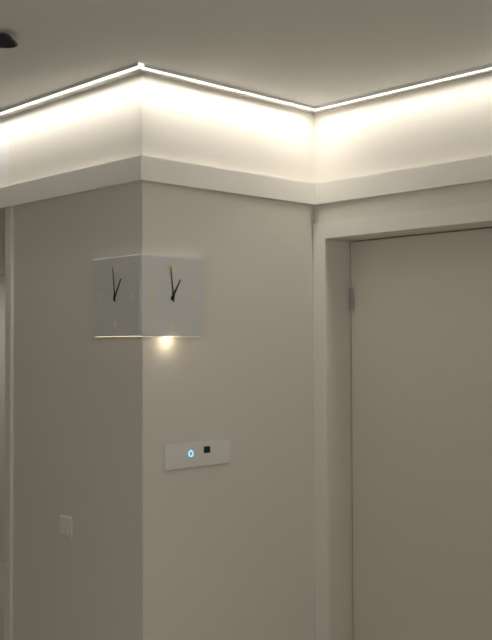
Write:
12,59
